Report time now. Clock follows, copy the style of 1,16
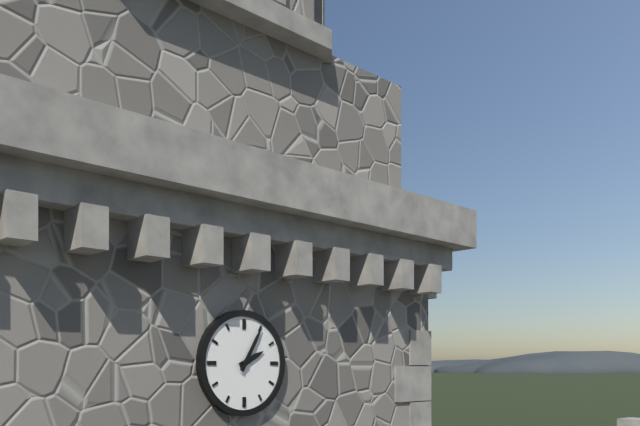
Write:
2,05
